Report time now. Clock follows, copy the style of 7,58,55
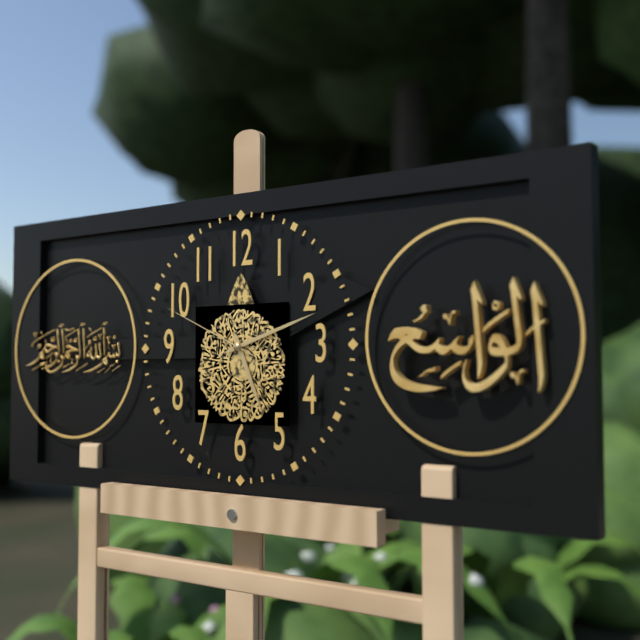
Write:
5,12,49
